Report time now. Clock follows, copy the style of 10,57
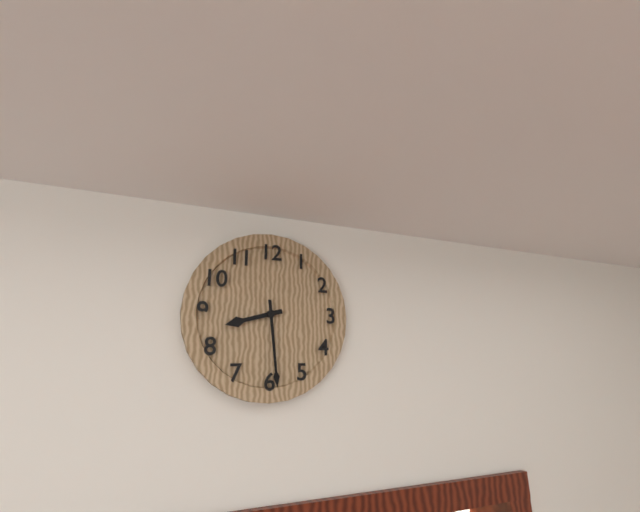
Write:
8,29
